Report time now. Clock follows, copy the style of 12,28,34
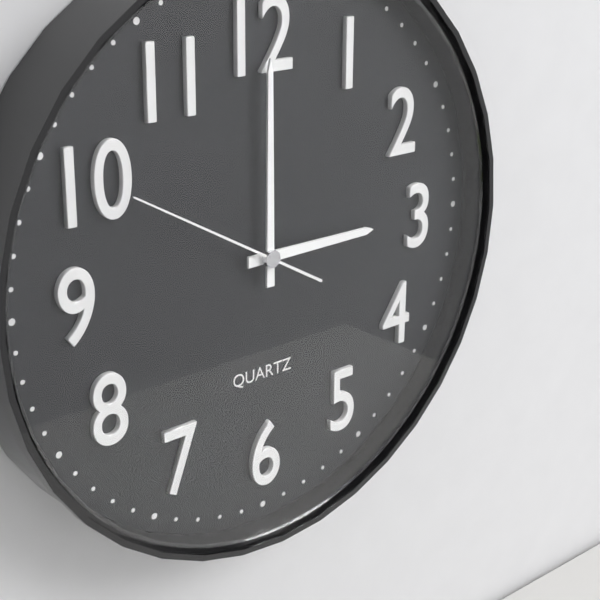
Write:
3,00,50
